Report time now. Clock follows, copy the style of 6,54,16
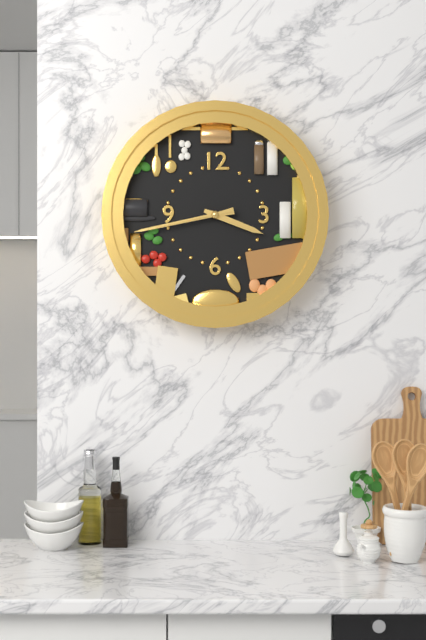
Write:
3,43,43
